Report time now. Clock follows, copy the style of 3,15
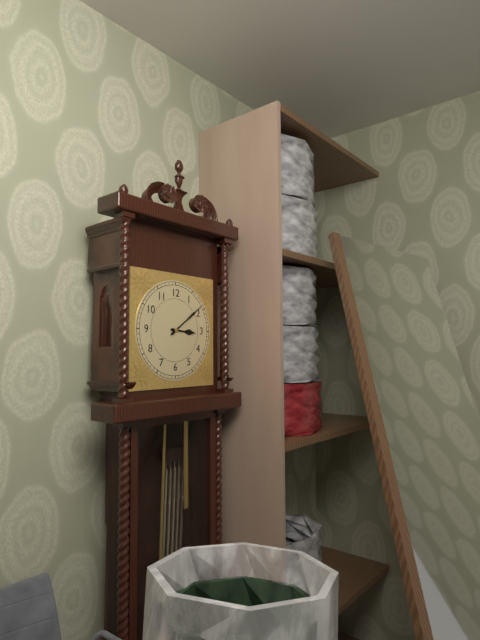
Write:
3,09
